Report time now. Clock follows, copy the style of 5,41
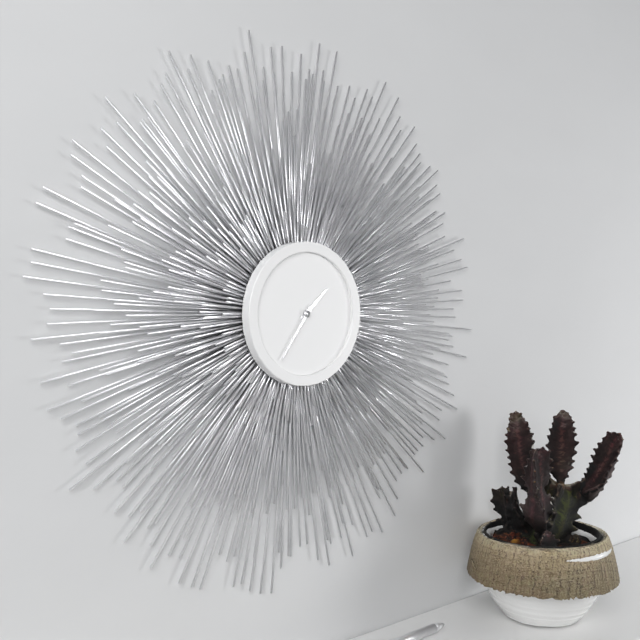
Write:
1,36
